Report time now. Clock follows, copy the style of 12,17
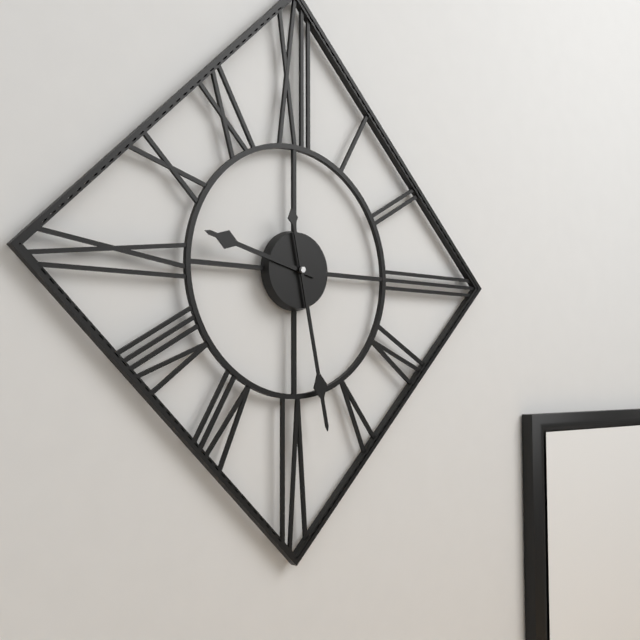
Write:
9,28
